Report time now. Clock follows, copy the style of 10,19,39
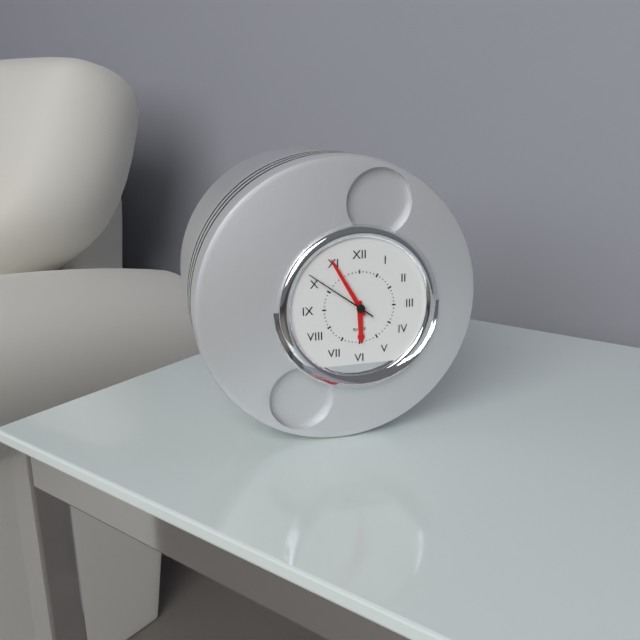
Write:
5,55,51
